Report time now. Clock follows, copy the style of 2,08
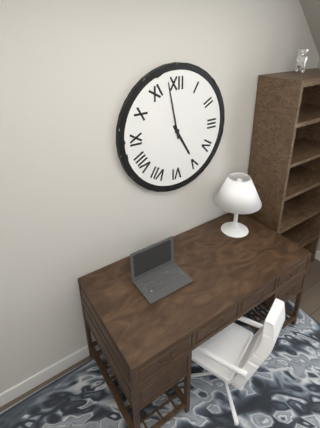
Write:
4,58
